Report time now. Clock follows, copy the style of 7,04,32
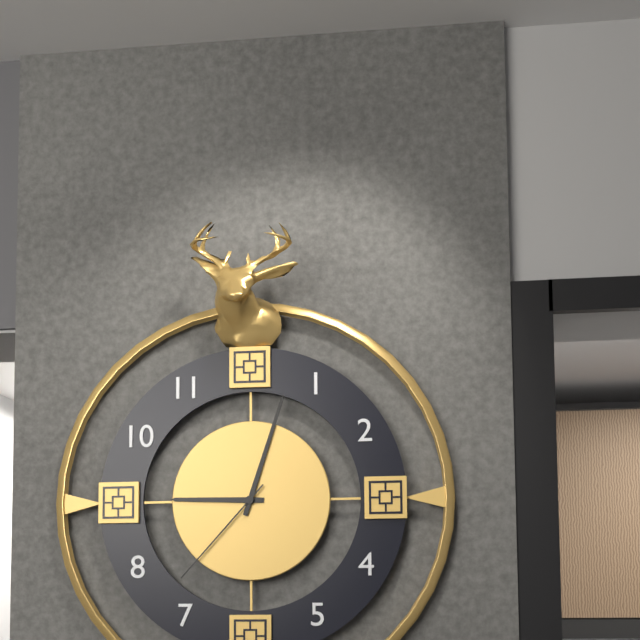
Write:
9,03,37
